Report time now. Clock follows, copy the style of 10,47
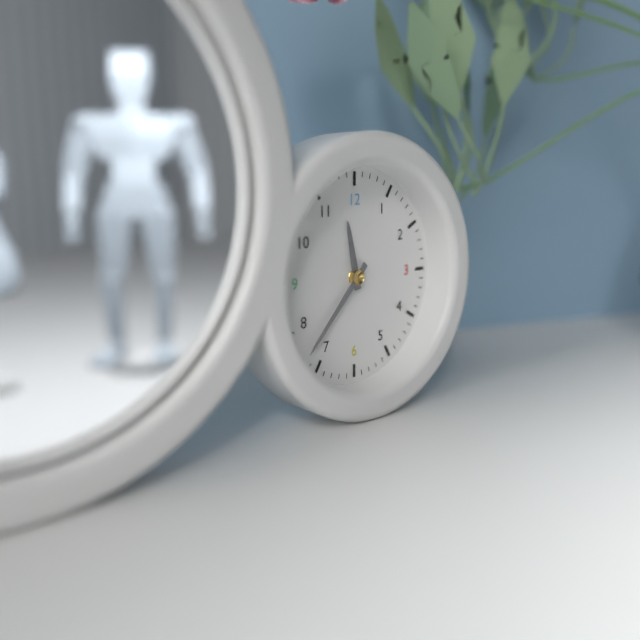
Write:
11,37
